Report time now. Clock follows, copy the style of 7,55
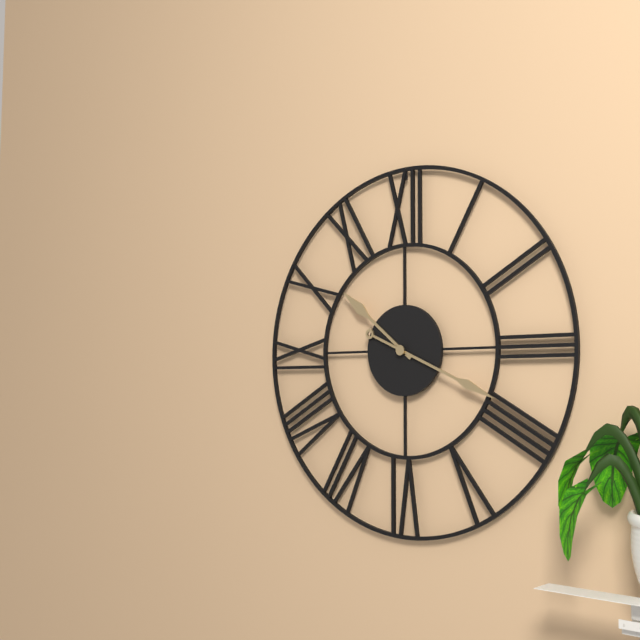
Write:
10,19
